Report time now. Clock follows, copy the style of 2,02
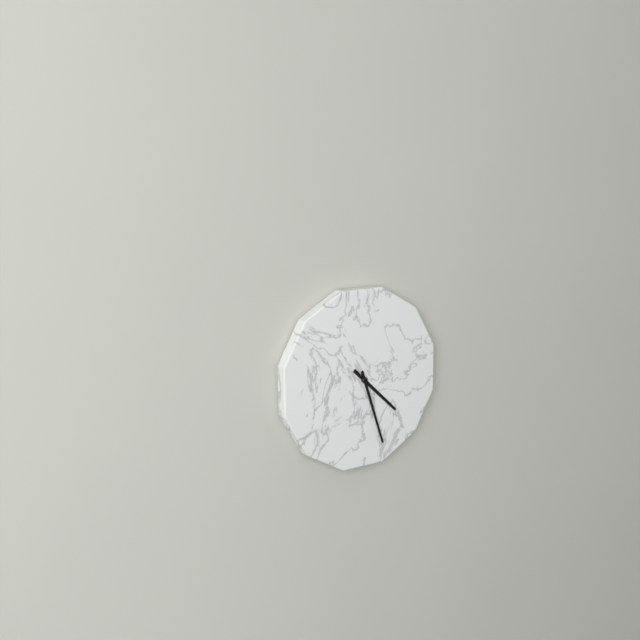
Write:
4,27
